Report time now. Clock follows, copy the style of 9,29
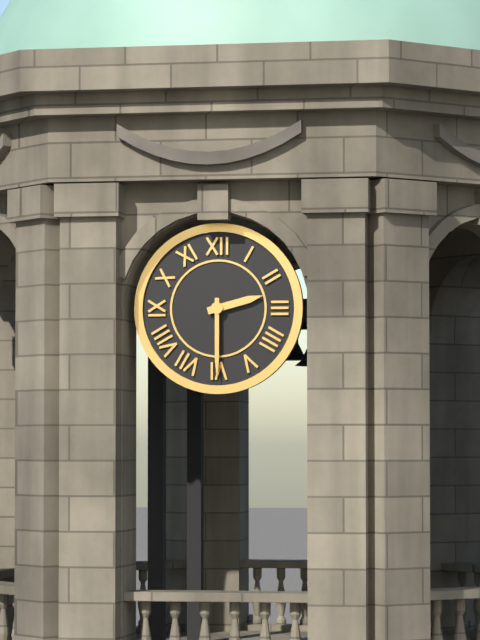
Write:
2,30
